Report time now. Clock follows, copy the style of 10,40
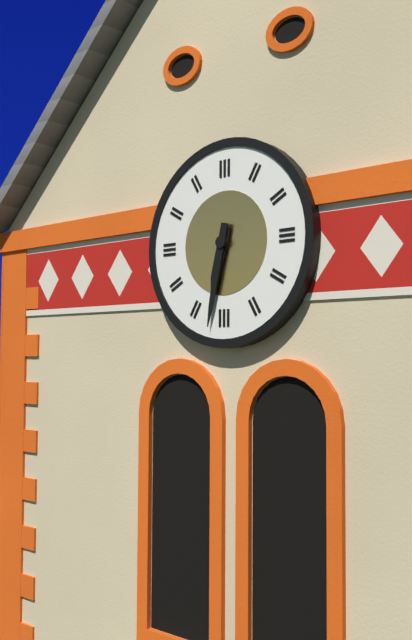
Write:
6,32
